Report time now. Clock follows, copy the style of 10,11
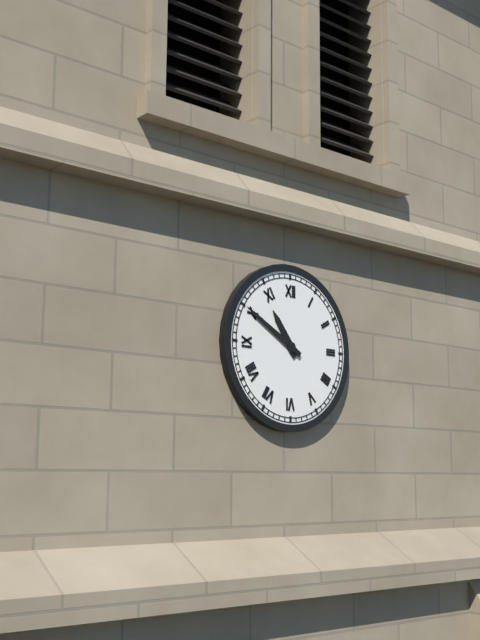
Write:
10,50
